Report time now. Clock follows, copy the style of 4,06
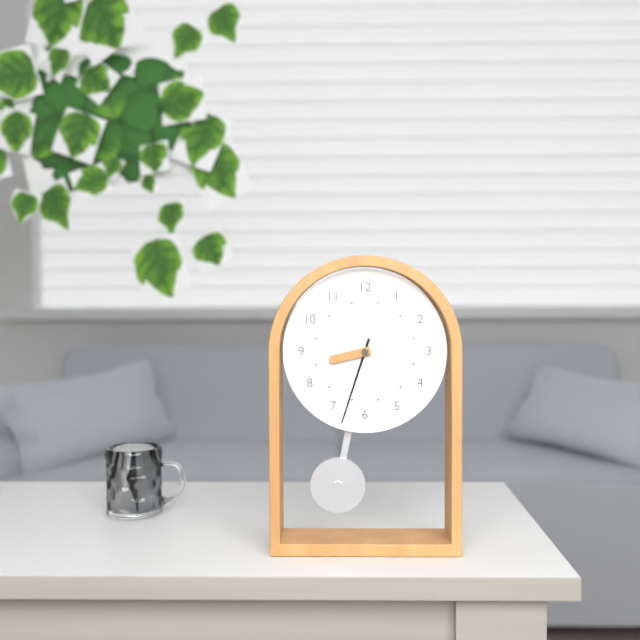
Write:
8,33
